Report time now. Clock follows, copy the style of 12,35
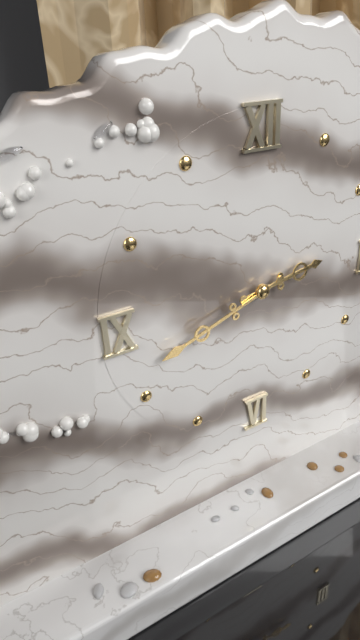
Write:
2,42
